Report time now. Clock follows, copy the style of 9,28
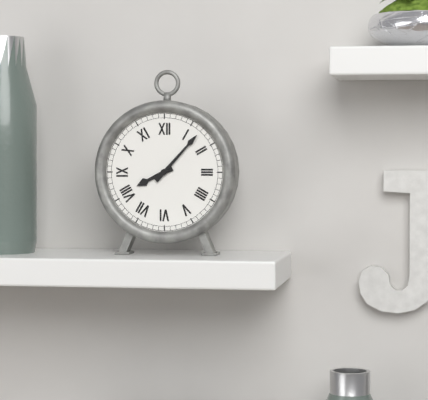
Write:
8,07
